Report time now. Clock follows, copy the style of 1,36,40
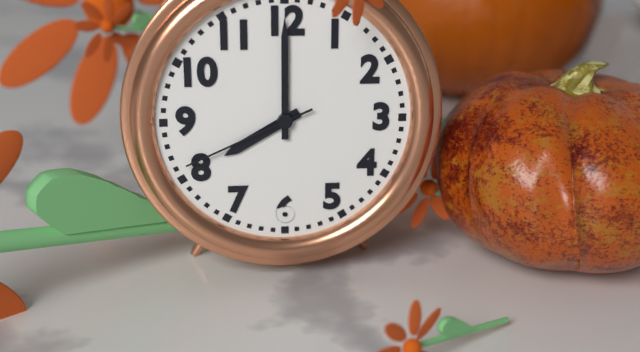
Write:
8,00,41
